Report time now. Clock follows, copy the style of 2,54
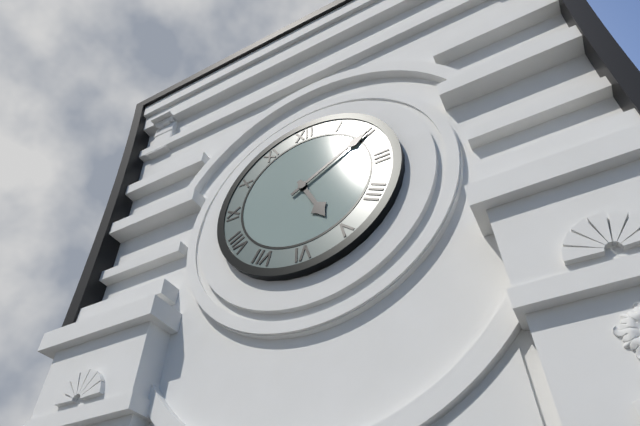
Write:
5,10
